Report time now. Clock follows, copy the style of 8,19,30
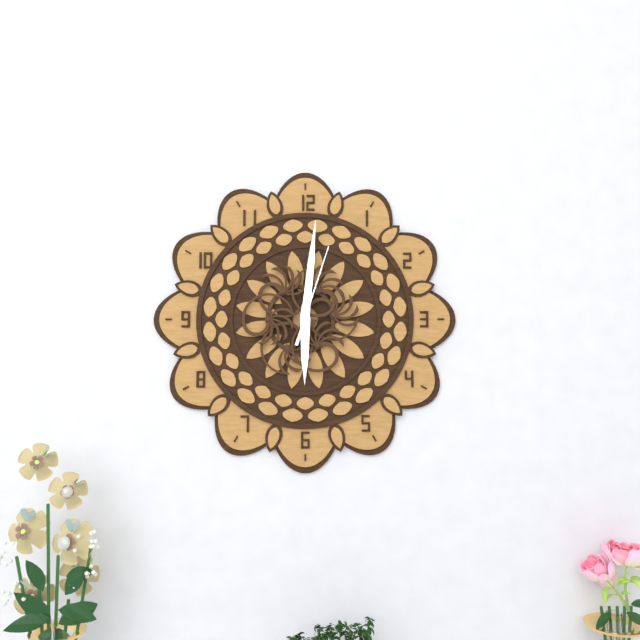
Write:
6,01,03
